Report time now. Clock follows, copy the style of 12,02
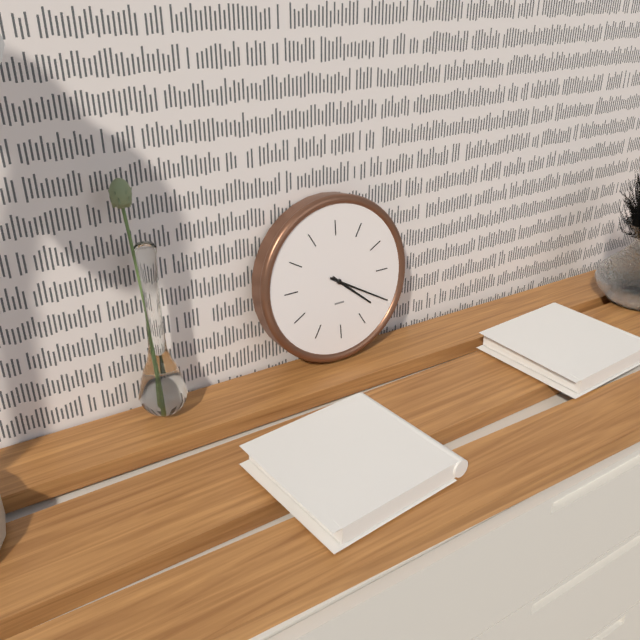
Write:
4,20
